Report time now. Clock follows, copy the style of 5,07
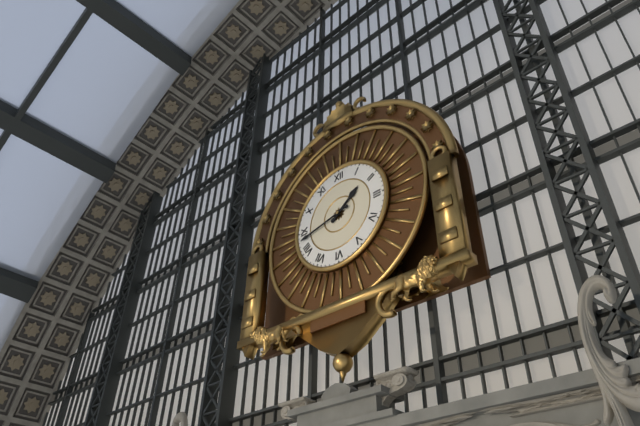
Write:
1,43
